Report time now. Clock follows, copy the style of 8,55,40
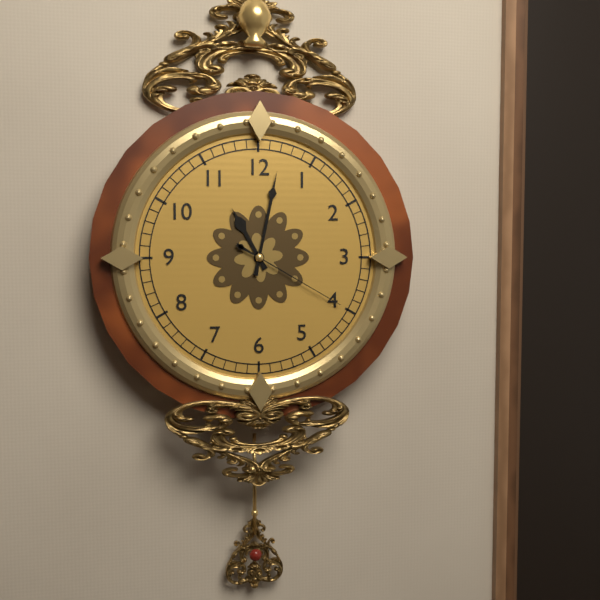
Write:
11,02,20
